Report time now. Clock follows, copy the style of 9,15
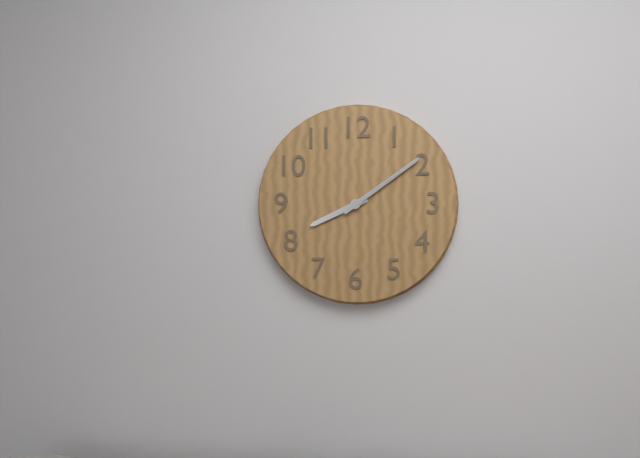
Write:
8,09
